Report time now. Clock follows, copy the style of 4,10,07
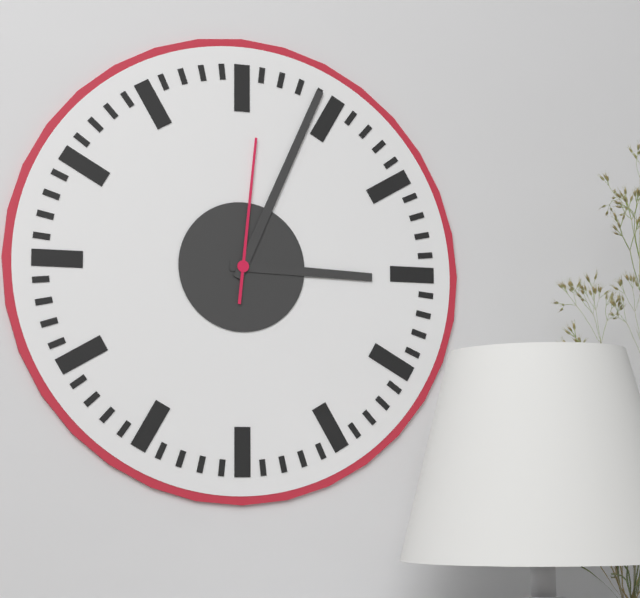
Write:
3,04,01
